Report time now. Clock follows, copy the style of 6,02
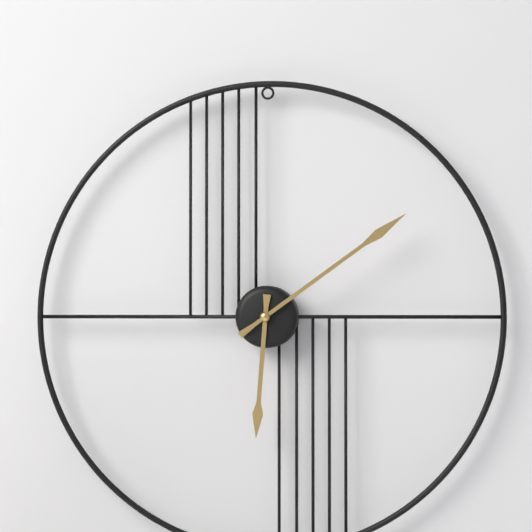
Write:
6,09
